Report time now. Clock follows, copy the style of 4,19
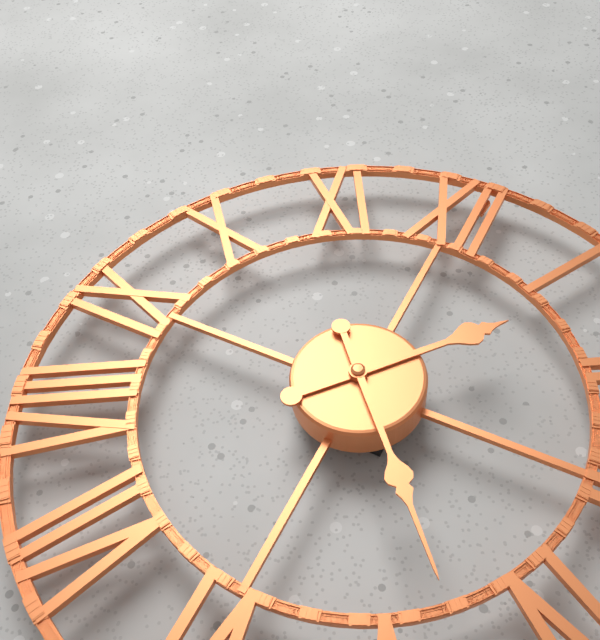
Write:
1,23
